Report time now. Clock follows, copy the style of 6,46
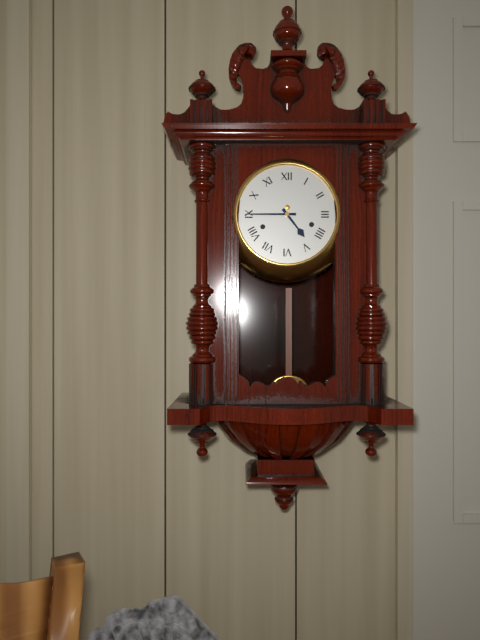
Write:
4,45
